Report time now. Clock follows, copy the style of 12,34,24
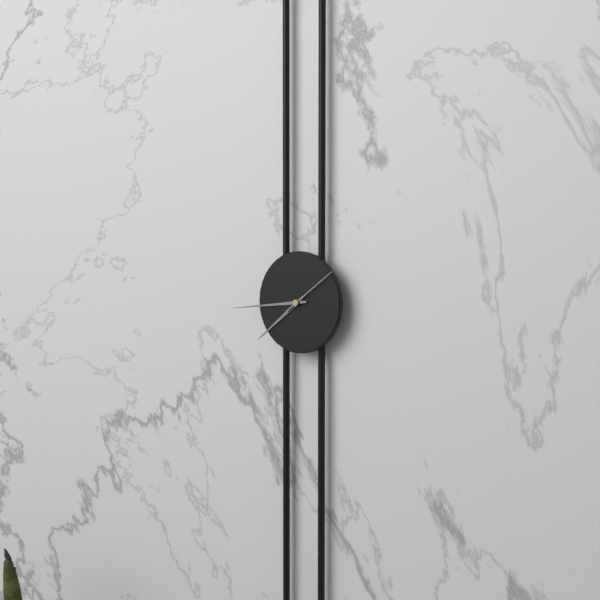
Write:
7,44,09
